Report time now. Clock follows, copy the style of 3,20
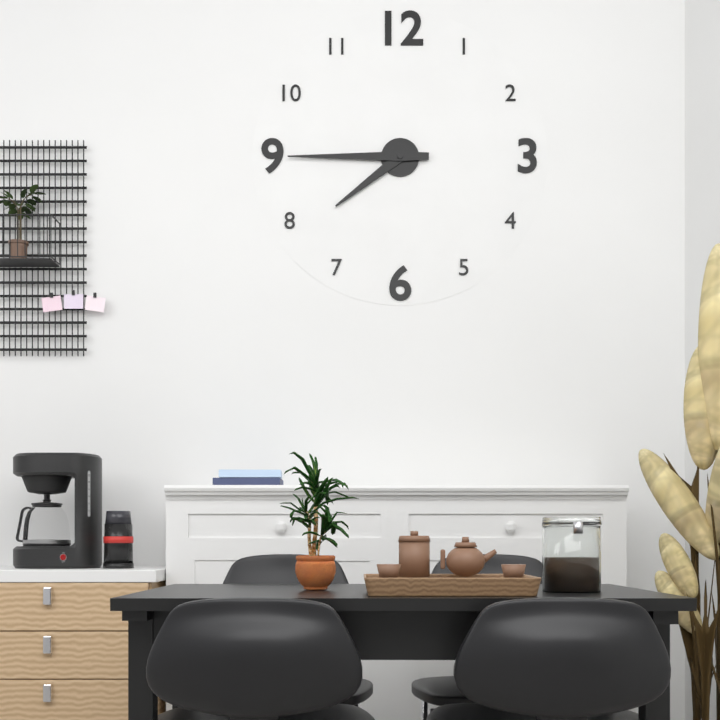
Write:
7,45
